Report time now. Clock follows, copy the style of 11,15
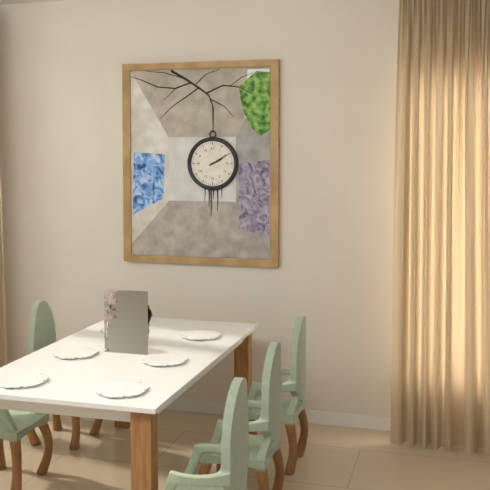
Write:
2,10
